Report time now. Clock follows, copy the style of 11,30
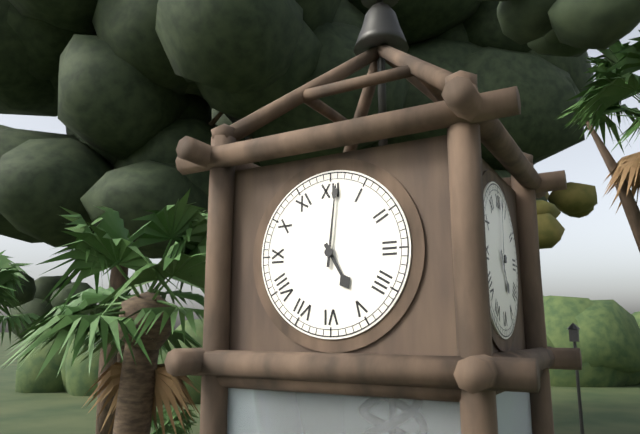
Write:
5,01
